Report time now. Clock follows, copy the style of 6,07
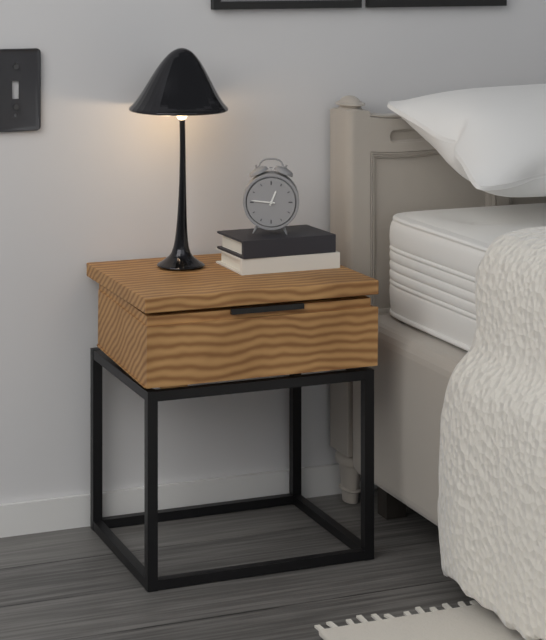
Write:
12,46
